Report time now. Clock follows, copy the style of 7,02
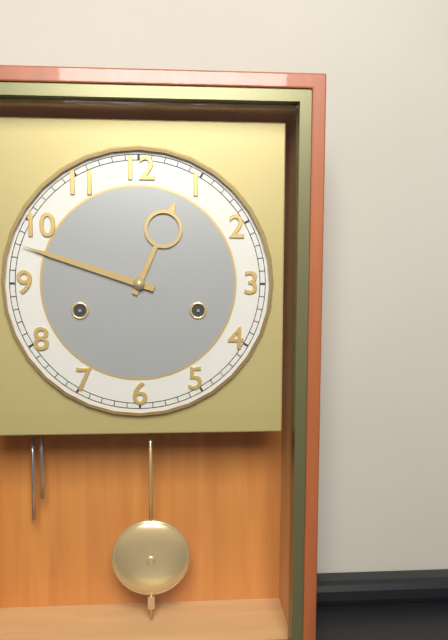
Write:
12,48
